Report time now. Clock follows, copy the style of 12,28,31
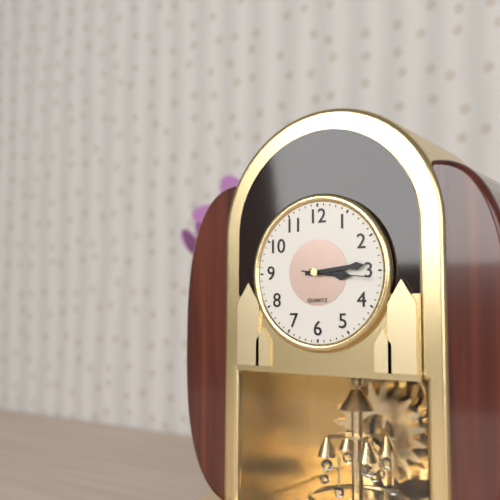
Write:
3,14,16
